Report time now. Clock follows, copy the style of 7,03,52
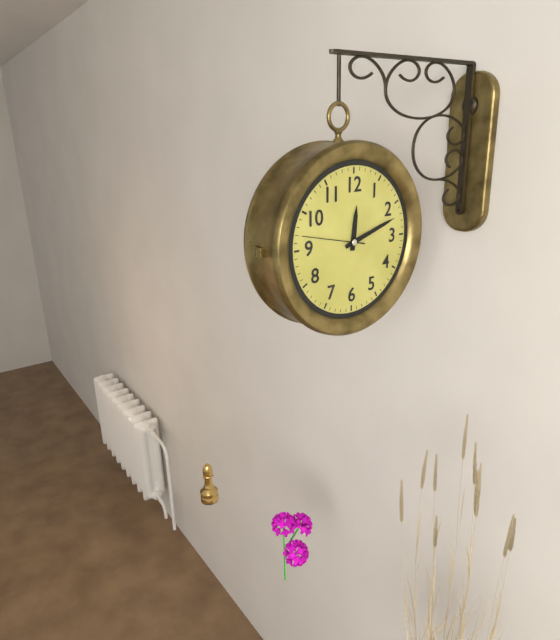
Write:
12,12,47
